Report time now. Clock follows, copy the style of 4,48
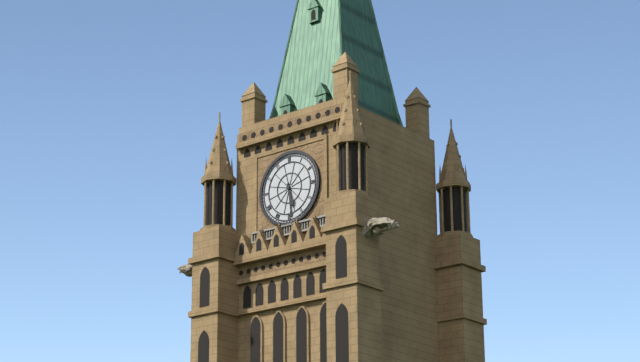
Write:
5,29
